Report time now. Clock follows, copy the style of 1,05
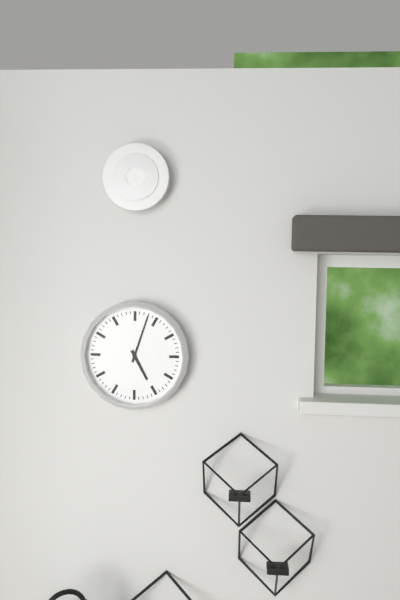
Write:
5,03
